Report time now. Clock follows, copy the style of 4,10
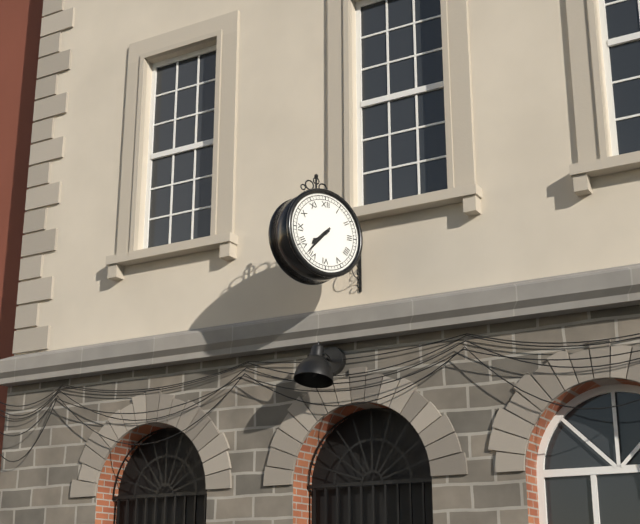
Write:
7,37
